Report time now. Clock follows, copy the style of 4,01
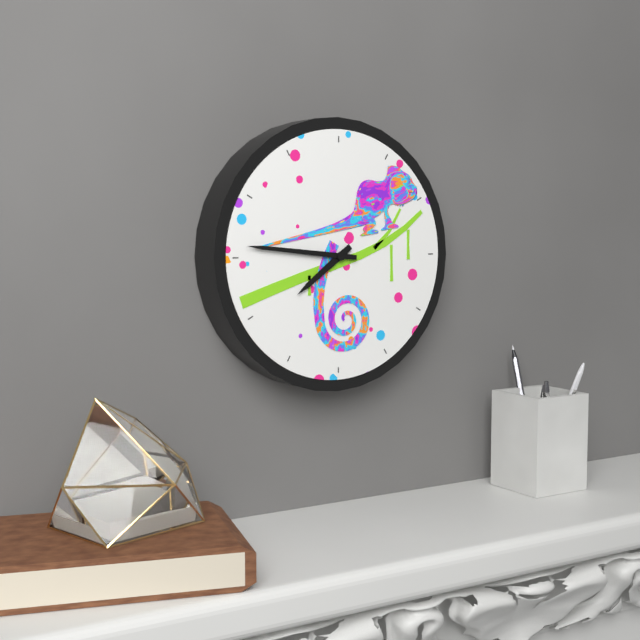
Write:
7,46
